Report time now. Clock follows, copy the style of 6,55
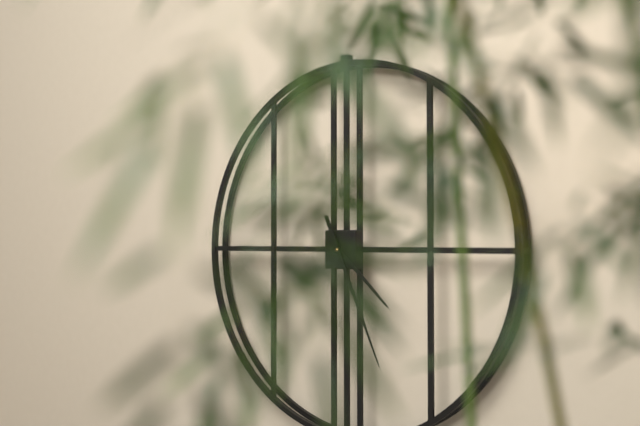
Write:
4,26
